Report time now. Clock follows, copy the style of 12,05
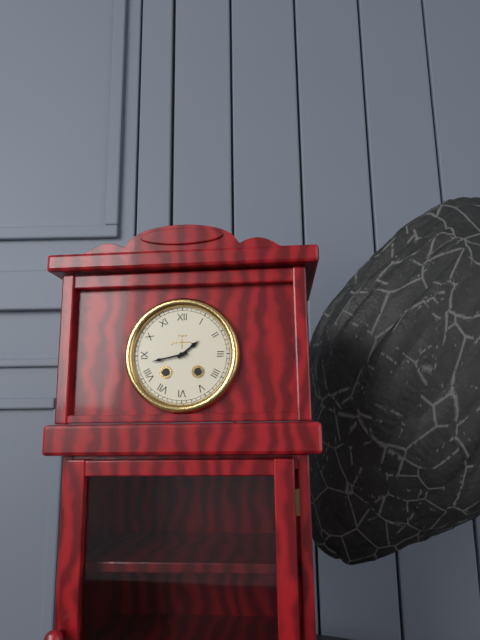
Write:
1,43
